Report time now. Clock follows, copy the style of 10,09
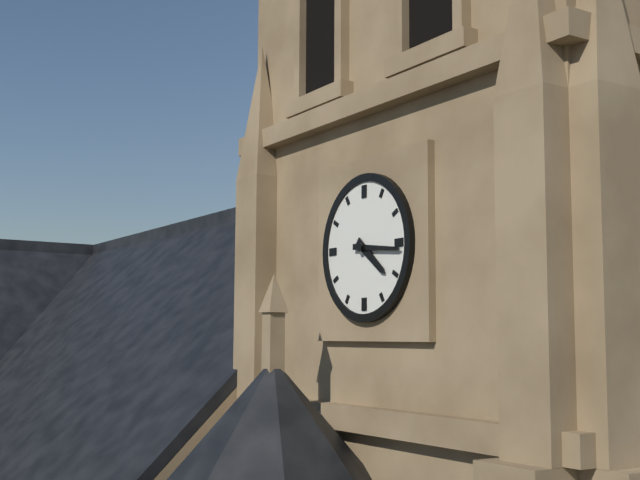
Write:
4,16
